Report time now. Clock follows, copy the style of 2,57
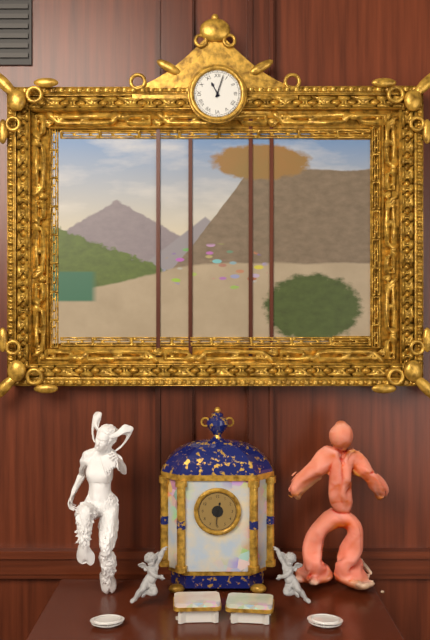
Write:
11,03
